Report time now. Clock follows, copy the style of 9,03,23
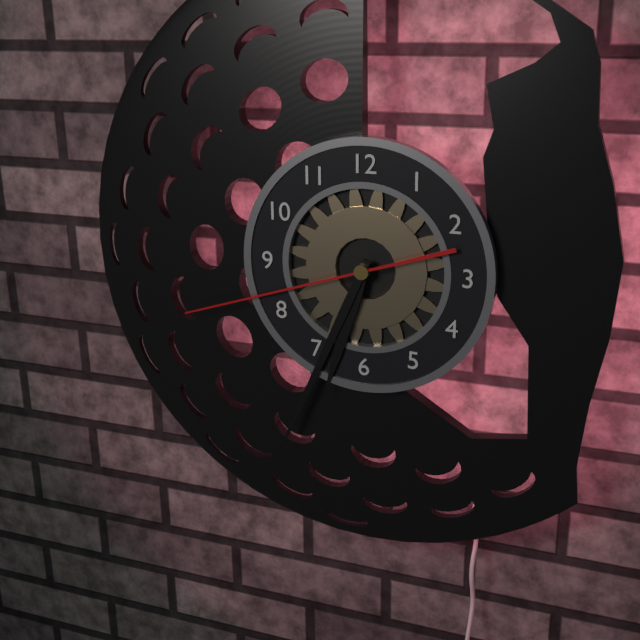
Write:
6,34,42
